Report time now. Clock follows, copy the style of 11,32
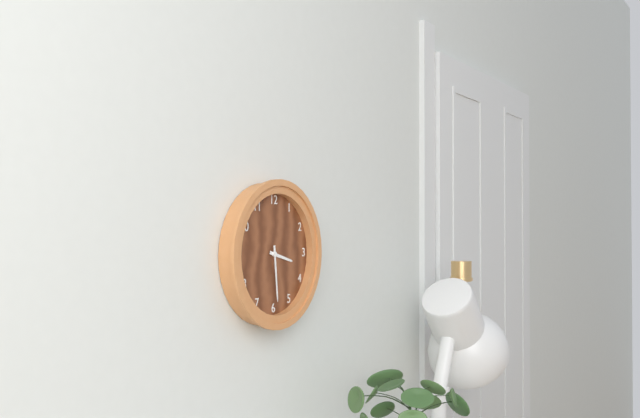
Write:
3,29
